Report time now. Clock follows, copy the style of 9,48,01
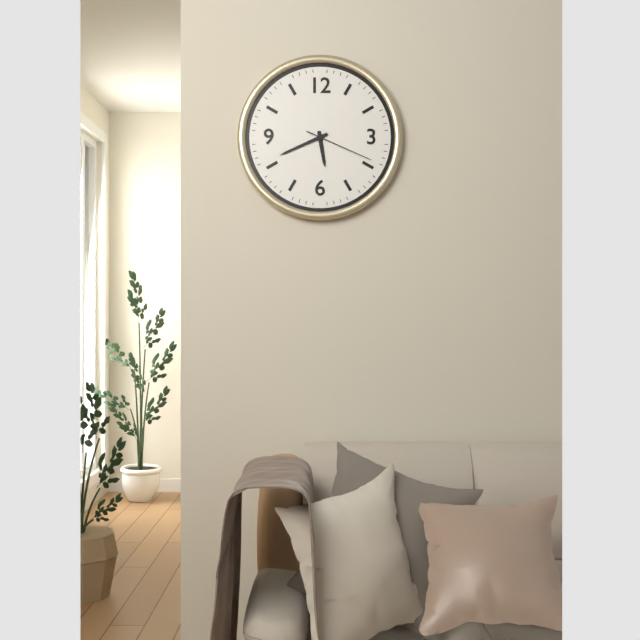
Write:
5,41,19
